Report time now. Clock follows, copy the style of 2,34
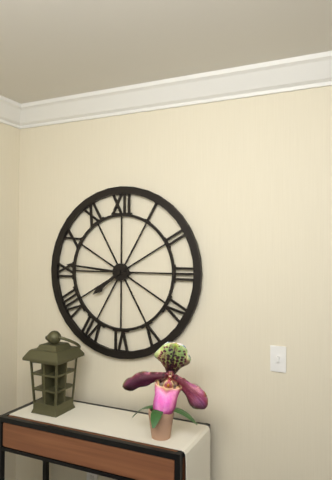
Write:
7,46
